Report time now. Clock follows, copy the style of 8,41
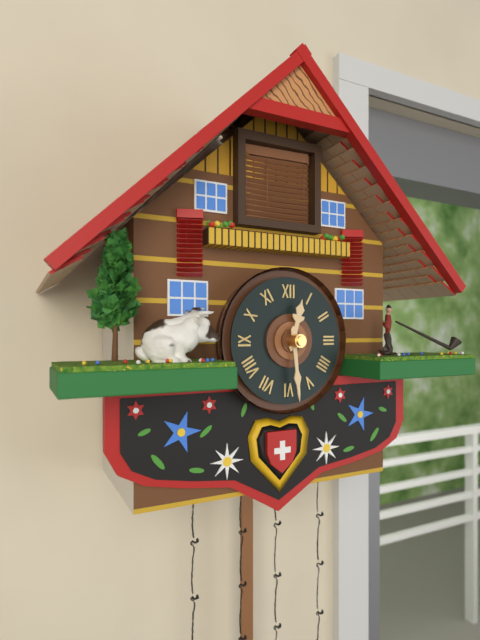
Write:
12,29
